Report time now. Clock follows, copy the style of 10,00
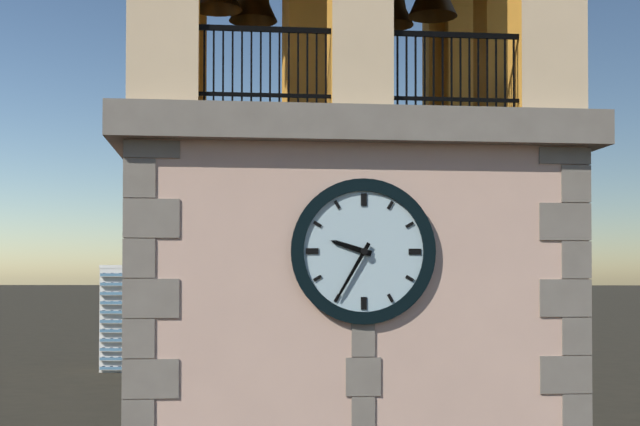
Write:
9,35
